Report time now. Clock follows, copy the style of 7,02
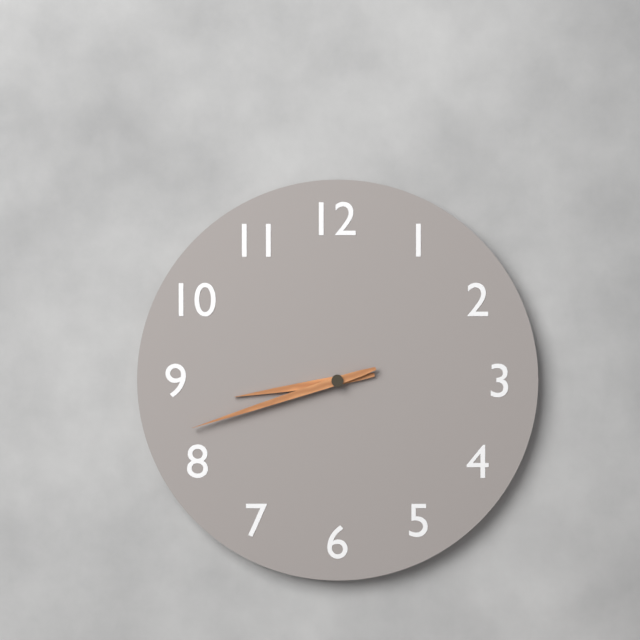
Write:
8,42
